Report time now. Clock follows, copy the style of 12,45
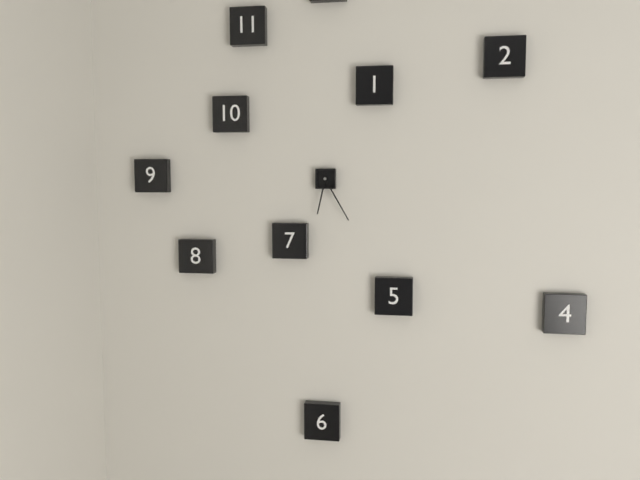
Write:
6,25
